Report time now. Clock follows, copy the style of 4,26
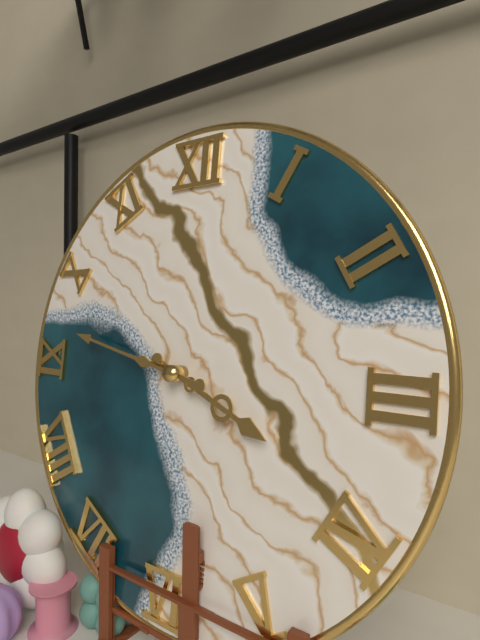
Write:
3,47
